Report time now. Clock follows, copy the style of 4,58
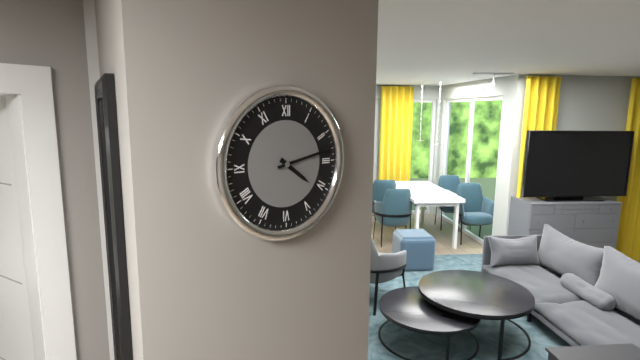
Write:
4,13
